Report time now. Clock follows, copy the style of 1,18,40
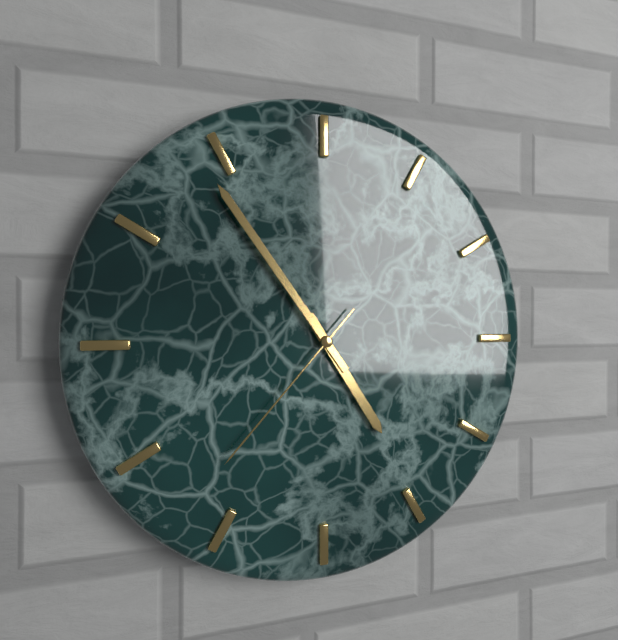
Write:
4,54,37
